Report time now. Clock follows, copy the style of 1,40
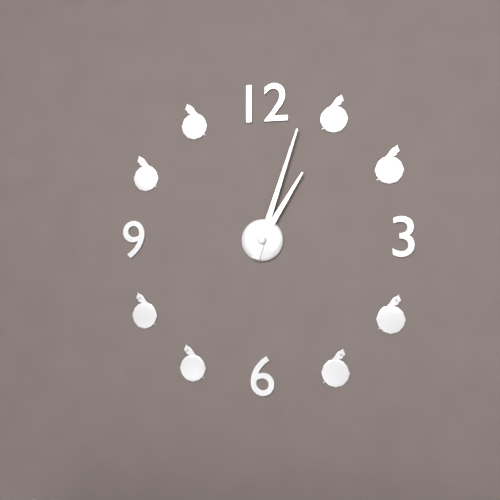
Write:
1,03
